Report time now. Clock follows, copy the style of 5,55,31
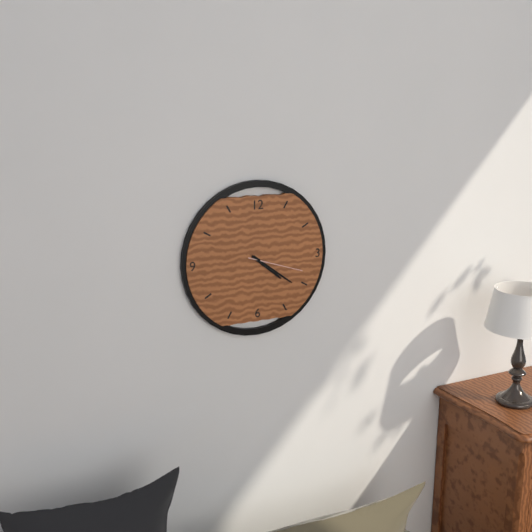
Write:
4,21,18
